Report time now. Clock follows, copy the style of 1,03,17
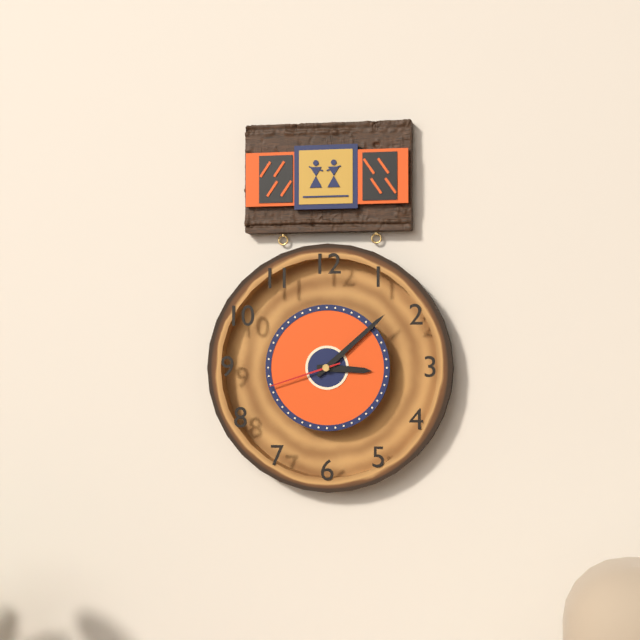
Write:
3,08,42
